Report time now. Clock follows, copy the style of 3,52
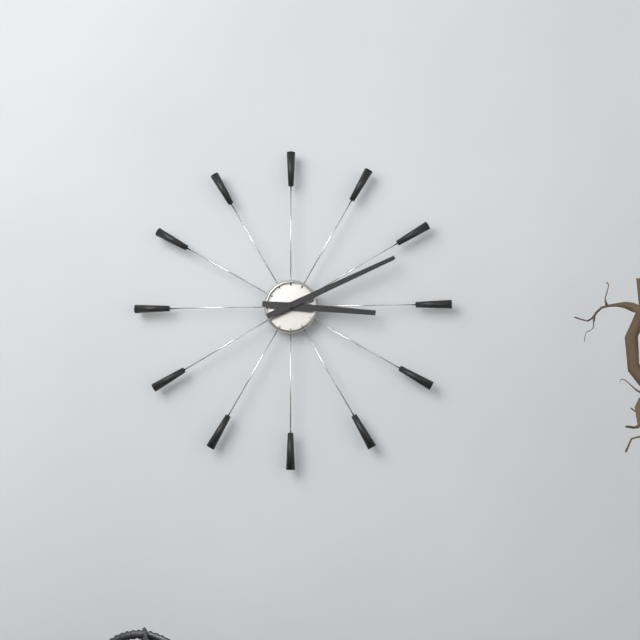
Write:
3,11
